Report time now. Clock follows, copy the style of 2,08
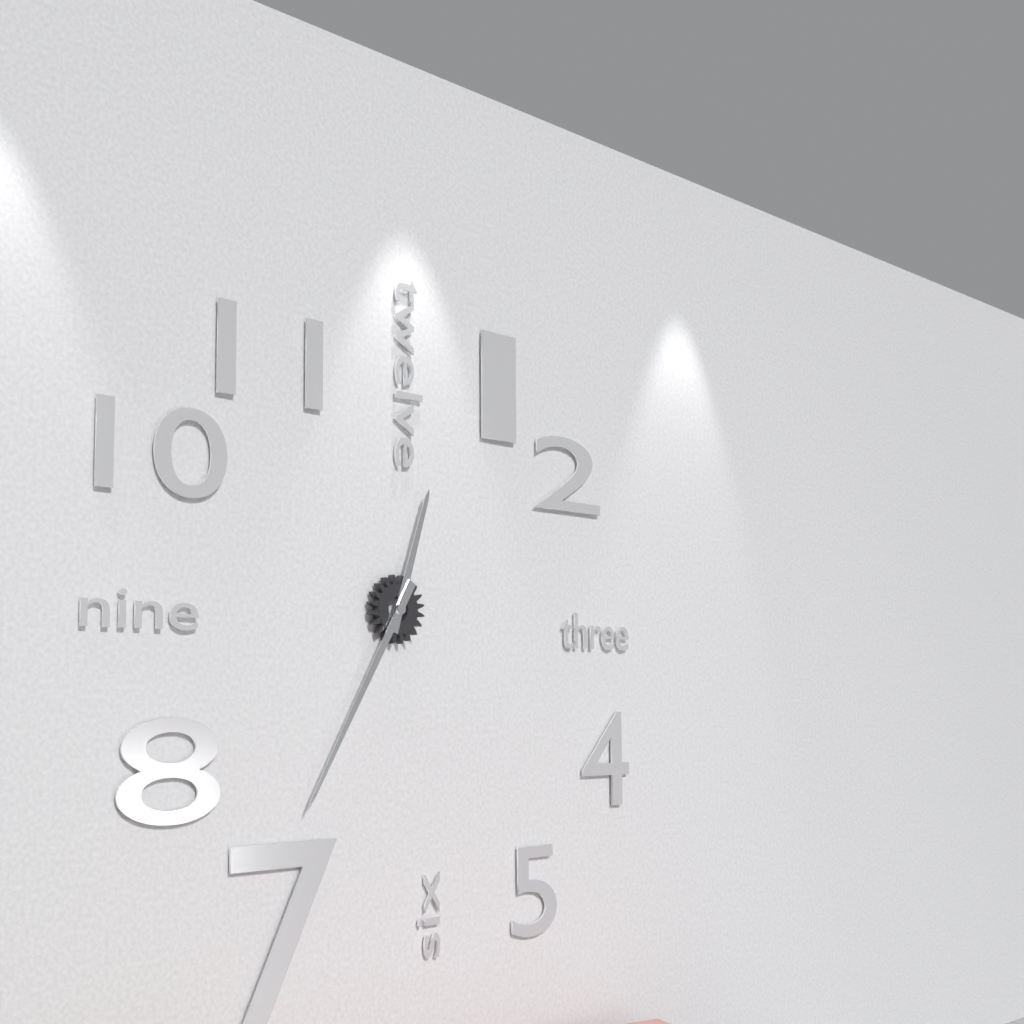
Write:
12,35
